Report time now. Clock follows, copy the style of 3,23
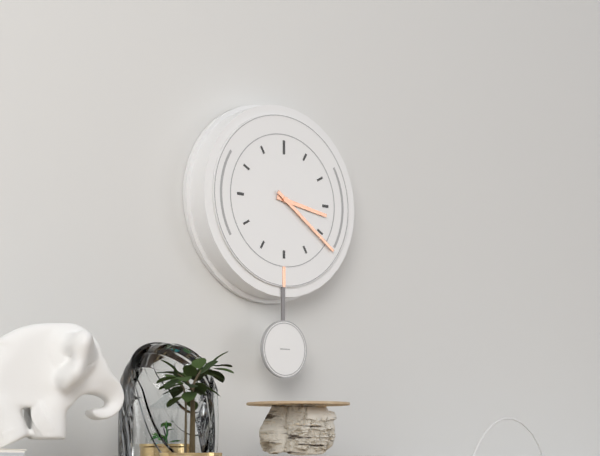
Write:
3,21
